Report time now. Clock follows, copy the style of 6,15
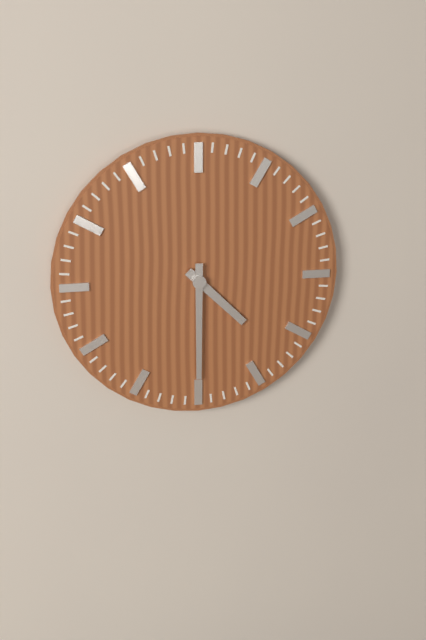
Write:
4,30
